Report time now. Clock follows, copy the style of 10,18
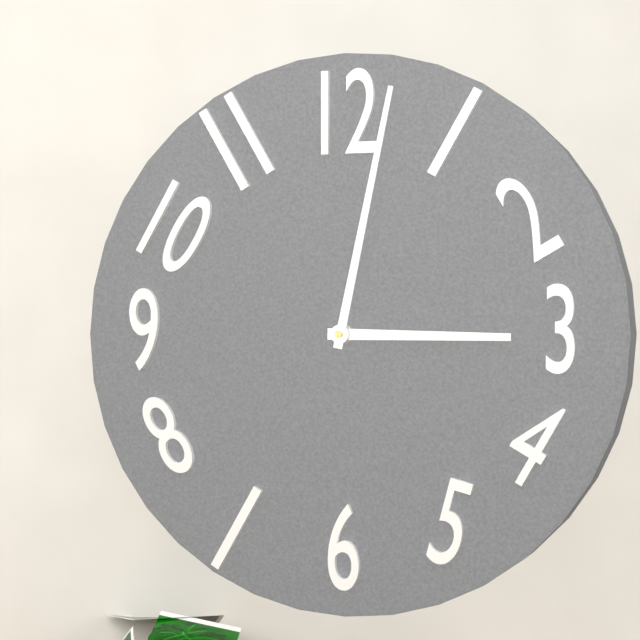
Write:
3,02
